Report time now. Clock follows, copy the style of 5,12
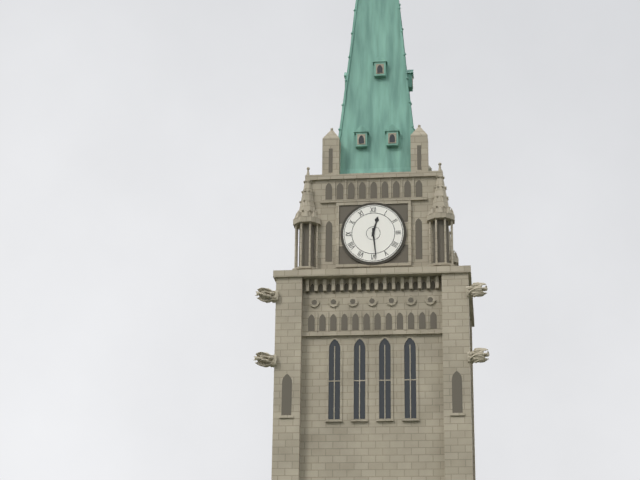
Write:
12,29
